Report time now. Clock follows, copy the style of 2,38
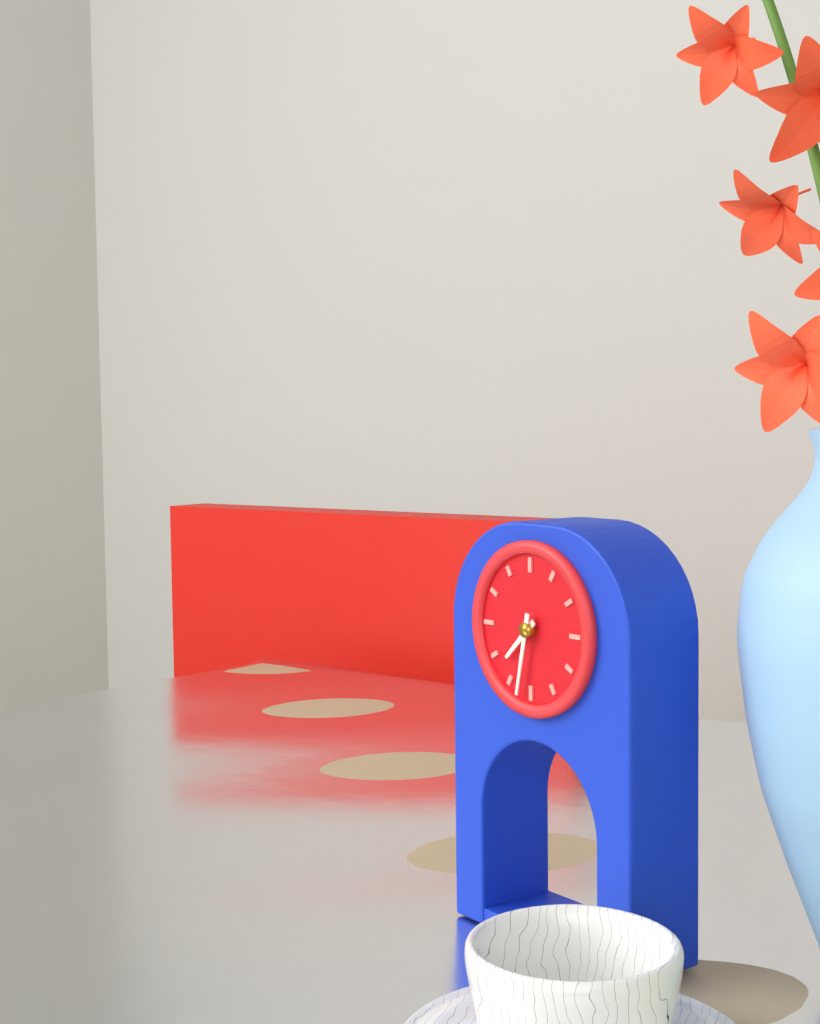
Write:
7,32
